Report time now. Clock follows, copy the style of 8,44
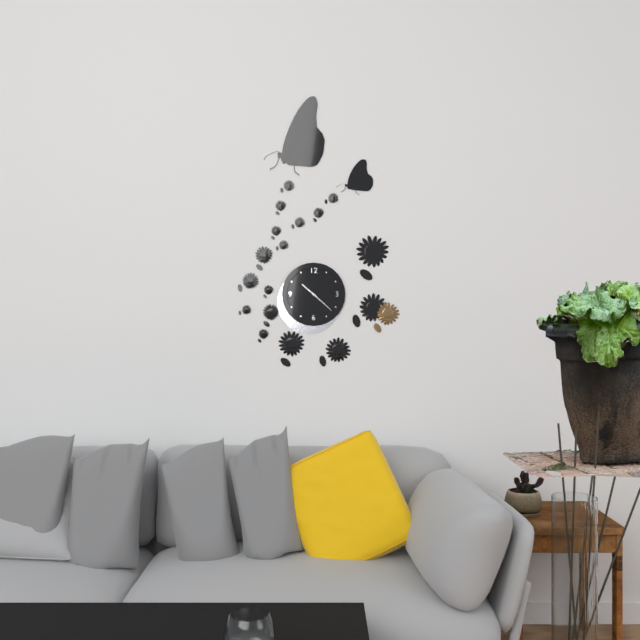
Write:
10,22
